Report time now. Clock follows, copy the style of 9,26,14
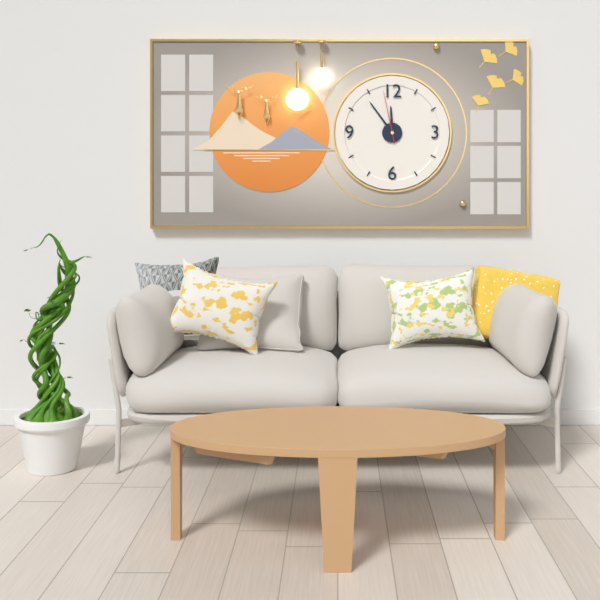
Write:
11,54,58
